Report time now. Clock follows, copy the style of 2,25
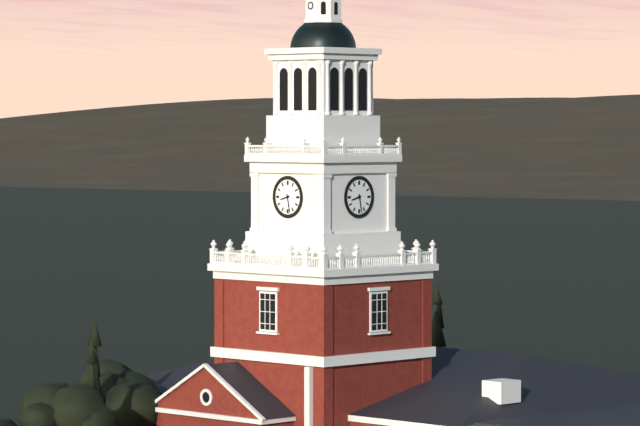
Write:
8,28
